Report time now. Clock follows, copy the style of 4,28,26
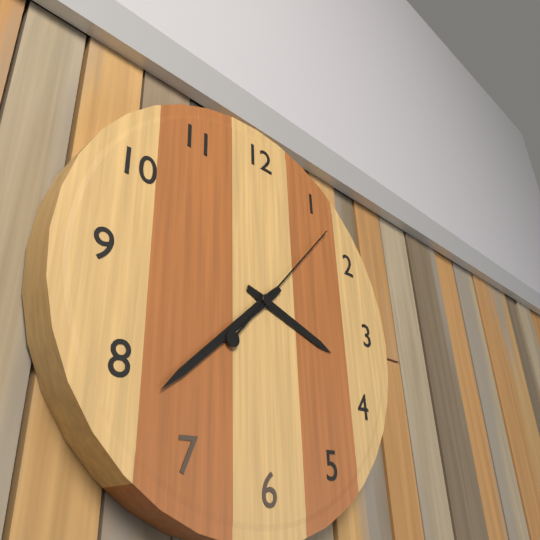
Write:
3,38,07
